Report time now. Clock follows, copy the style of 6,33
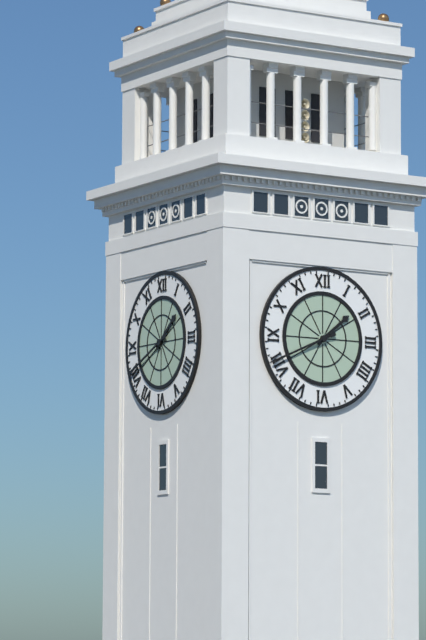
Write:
1,41
